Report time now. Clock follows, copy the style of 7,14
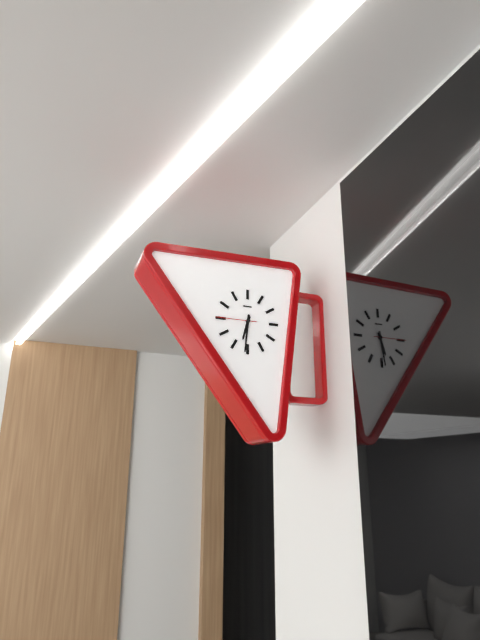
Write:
6,31
